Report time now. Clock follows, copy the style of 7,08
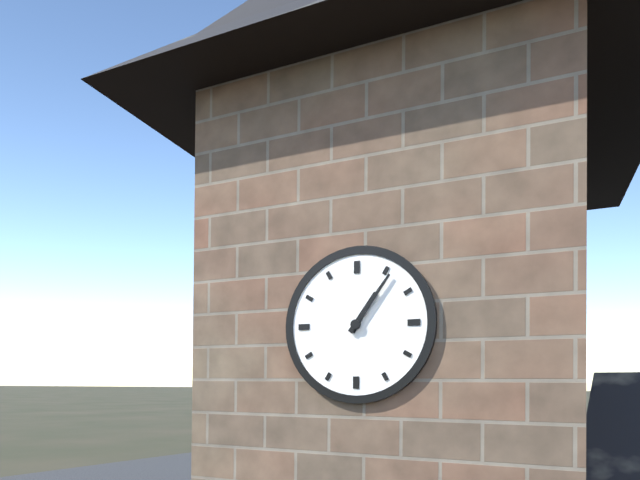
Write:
1,06
